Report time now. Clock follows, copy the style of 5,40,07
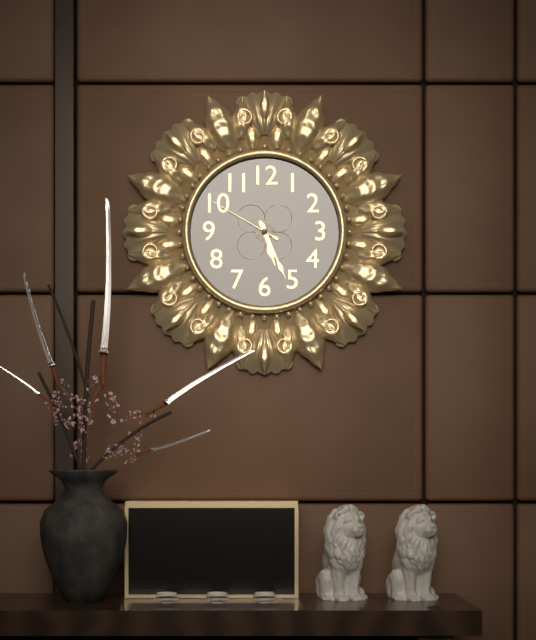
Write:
5,26,50
